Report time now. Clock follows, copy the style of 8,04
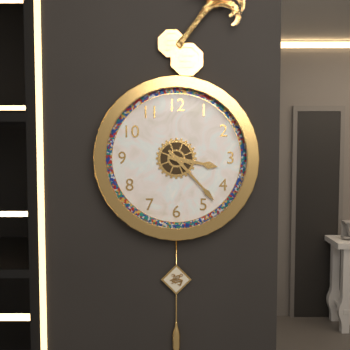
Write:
3,23
